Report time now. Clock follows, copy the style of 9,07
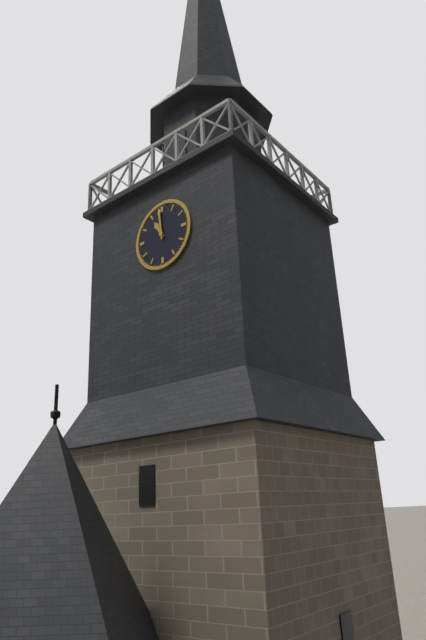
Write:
10,59
